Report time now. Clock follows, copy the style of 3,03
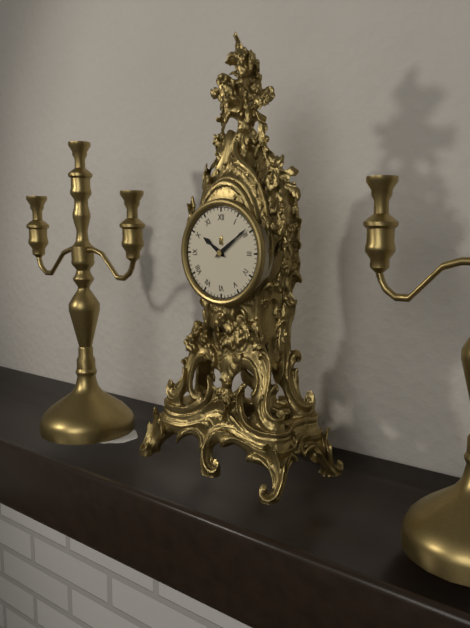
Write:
10,09
